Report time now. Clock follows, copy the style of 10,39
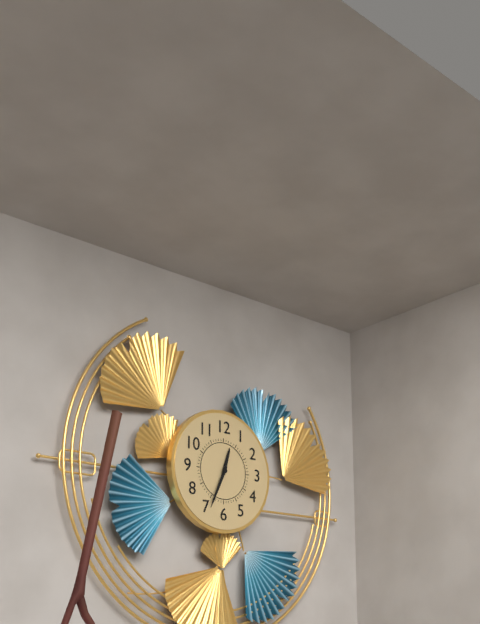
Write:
12,34
